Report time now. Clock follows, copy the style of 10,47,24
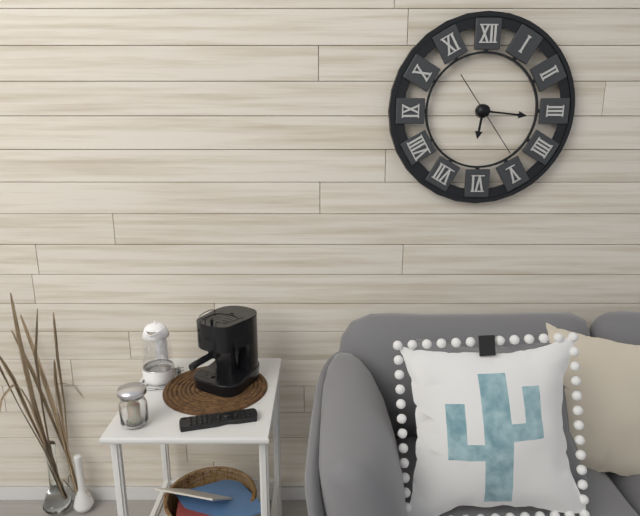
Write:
6,16,24
